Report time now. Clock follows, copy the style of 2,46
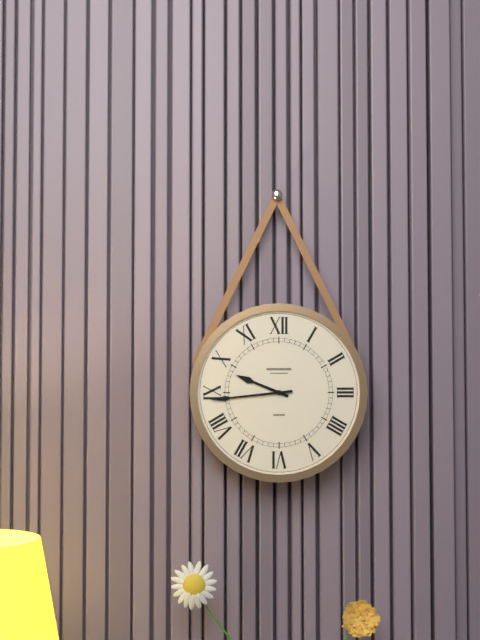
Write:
9,44
